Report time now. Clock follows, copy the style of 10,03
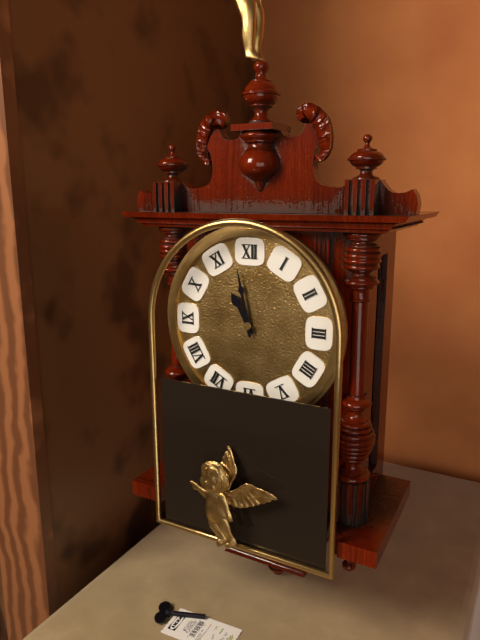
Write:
10,58
